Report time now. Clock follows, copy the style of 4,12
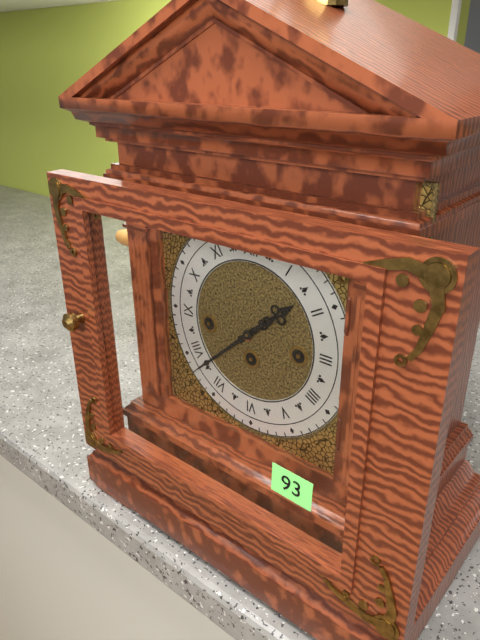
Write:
1,38
